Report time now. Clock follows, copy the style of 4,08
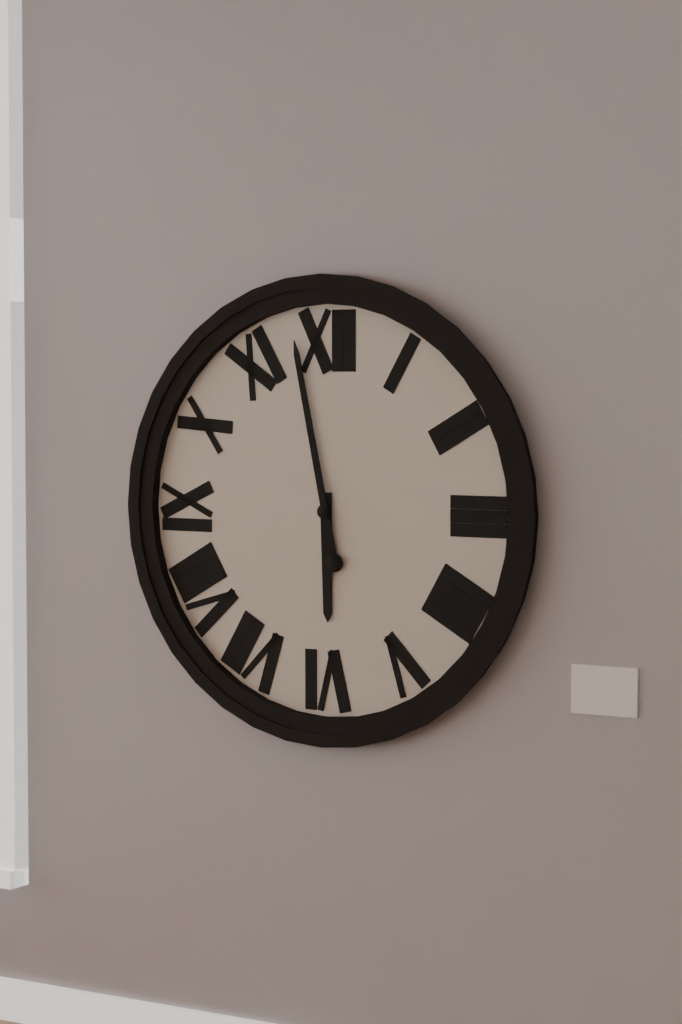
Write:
5,58
